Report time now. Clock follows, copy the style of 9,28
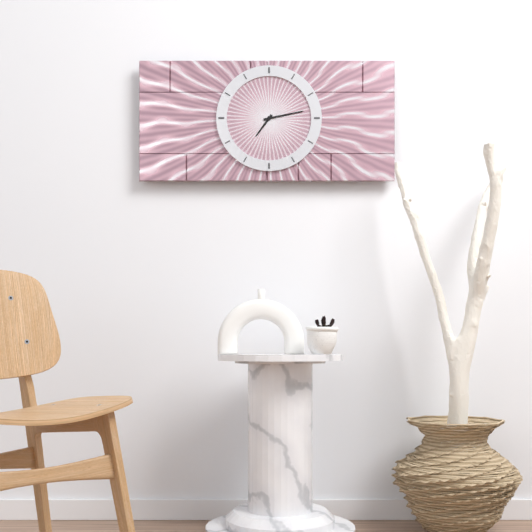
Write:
7,13
